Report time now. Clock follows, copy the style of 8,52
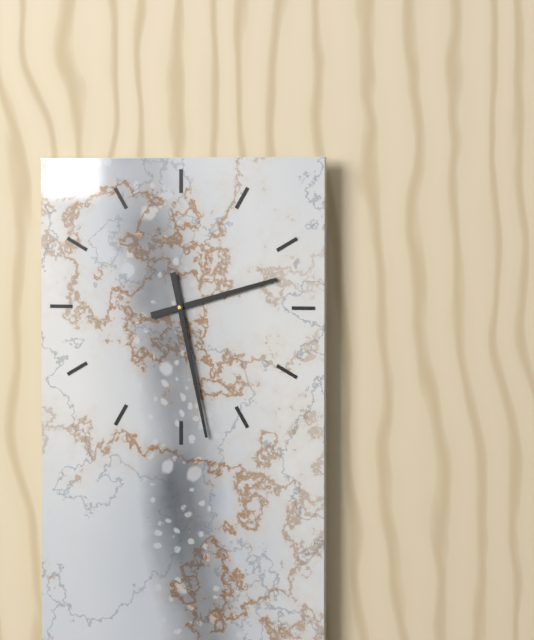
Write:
2,28
